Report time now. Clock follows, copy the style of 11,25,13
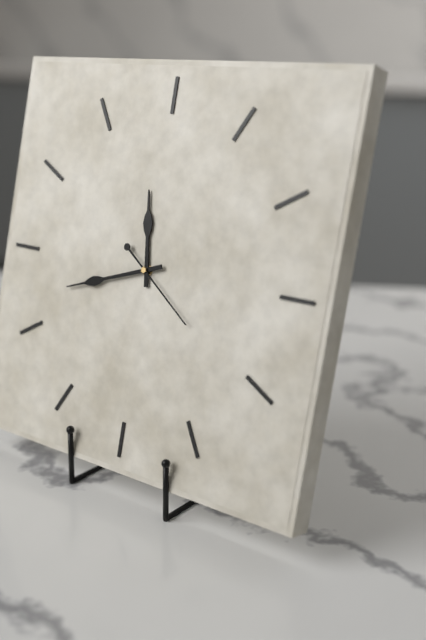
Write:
11,42,21
